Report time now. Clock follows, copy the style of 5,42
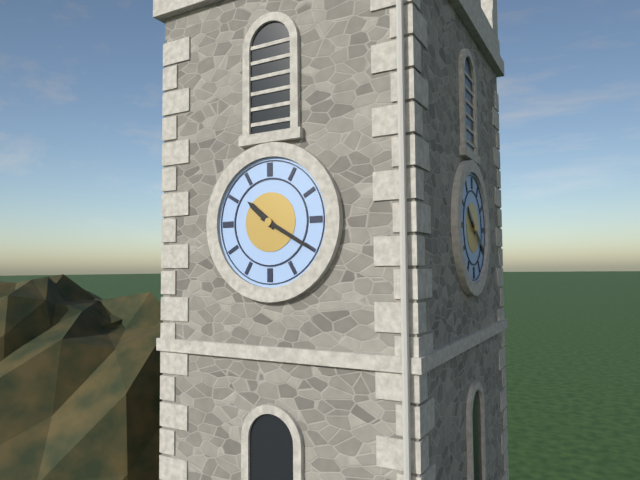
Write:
10,20
